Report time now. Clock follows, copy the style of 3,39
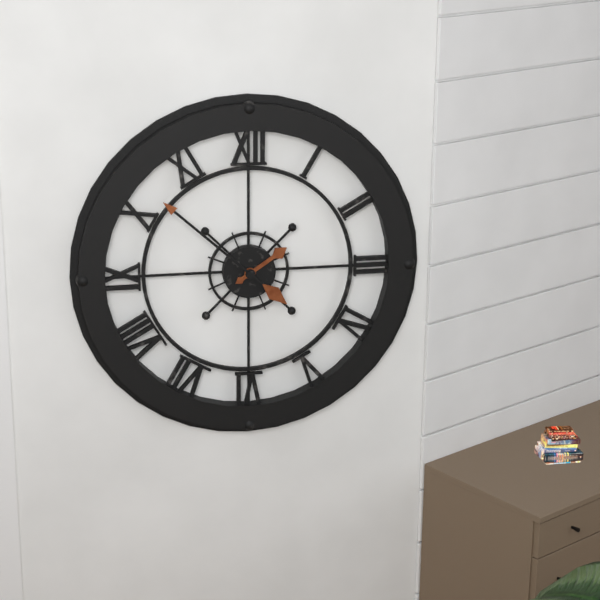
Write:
1,52
